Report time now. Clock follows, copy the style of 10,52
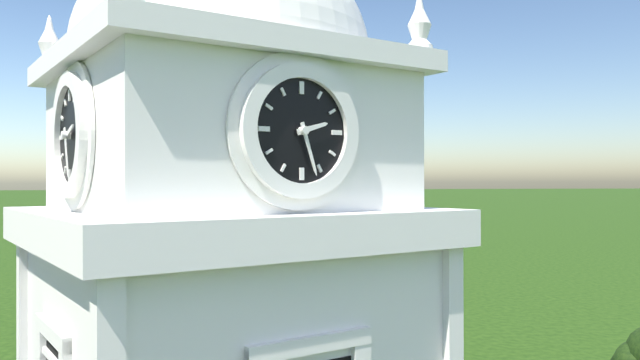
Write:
2,27
